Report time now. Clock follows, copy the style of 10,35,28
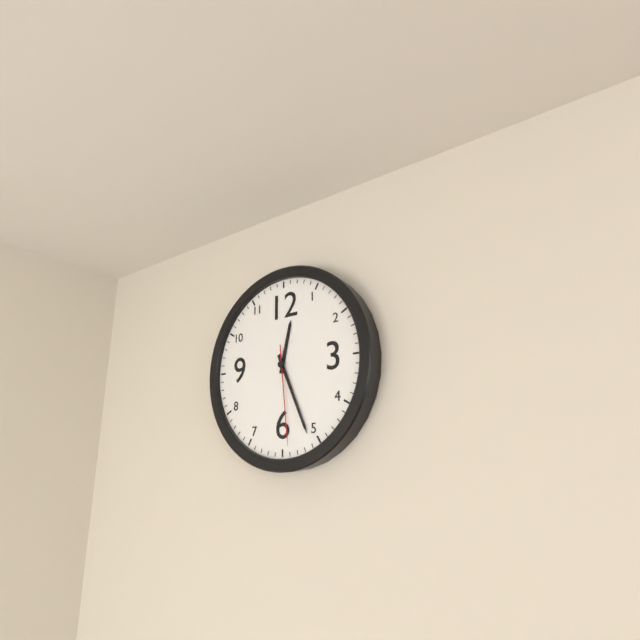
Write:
12,26,29
